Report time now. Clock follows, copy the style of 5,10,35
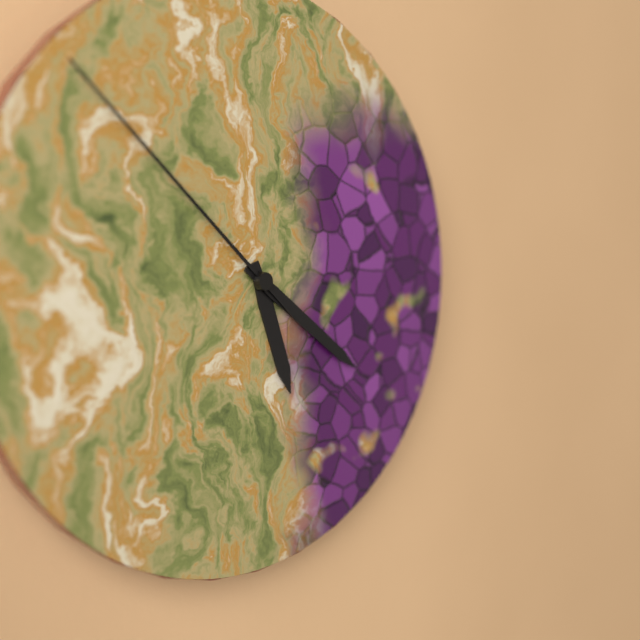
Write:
5,21,52
